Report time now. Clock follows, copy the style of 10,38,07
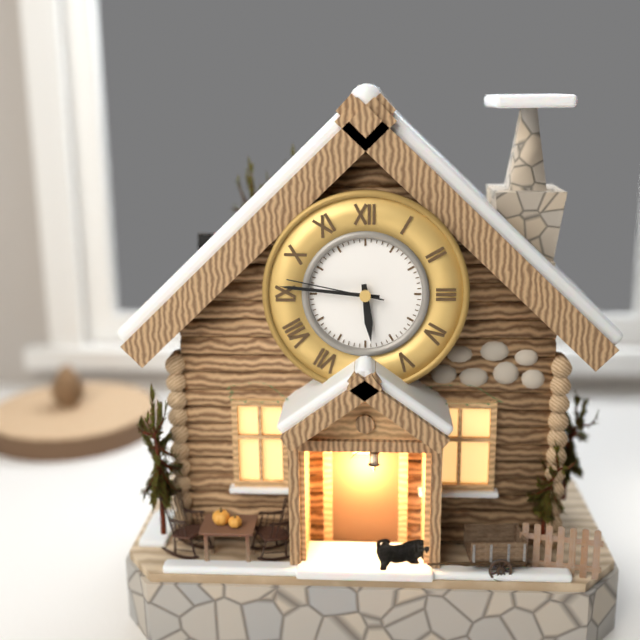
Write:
5,46,47
